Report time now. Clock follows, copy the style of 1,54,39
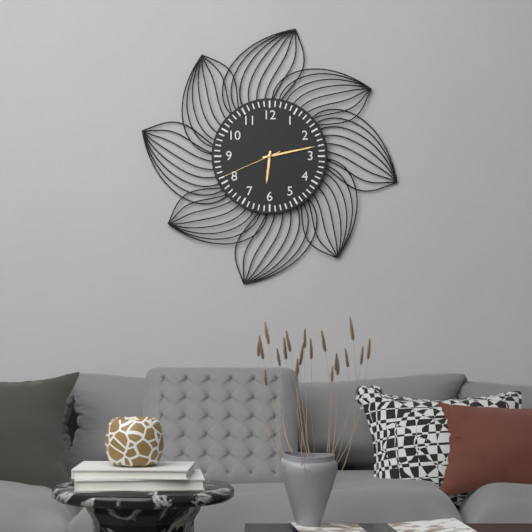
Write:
6,13,41
